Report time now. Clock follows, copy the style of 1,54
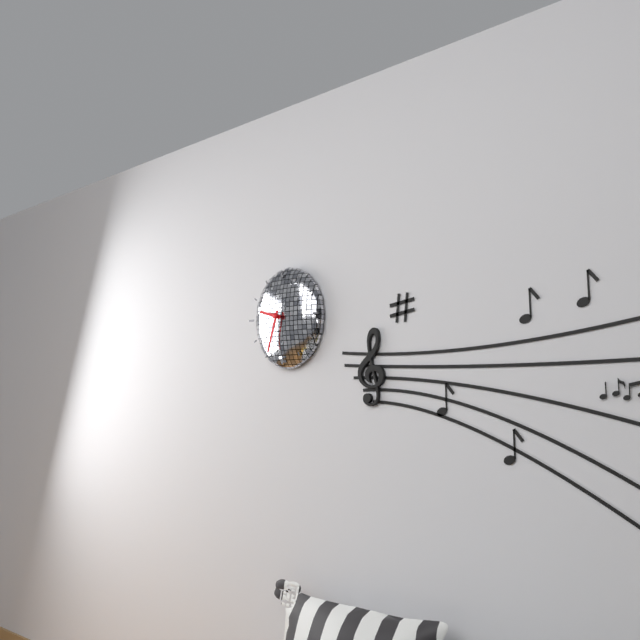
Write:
9,33
